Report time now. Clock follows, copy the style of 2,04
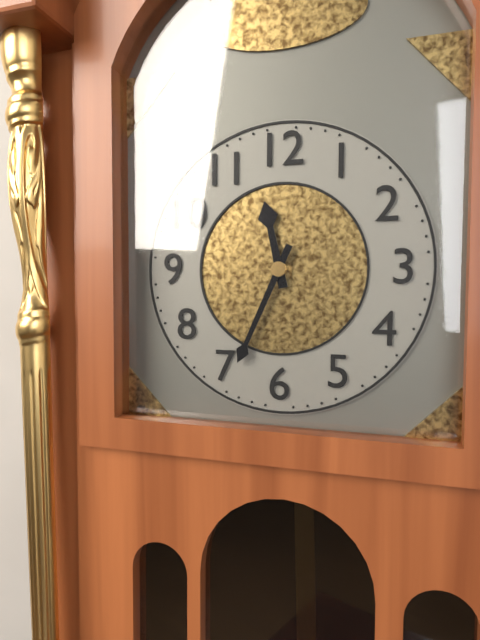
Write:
11,34
